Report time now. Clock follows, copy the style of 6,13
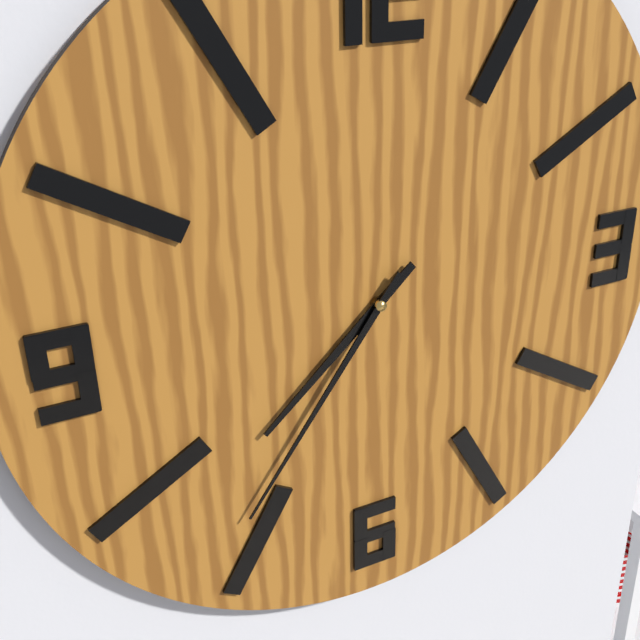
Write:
7,36
